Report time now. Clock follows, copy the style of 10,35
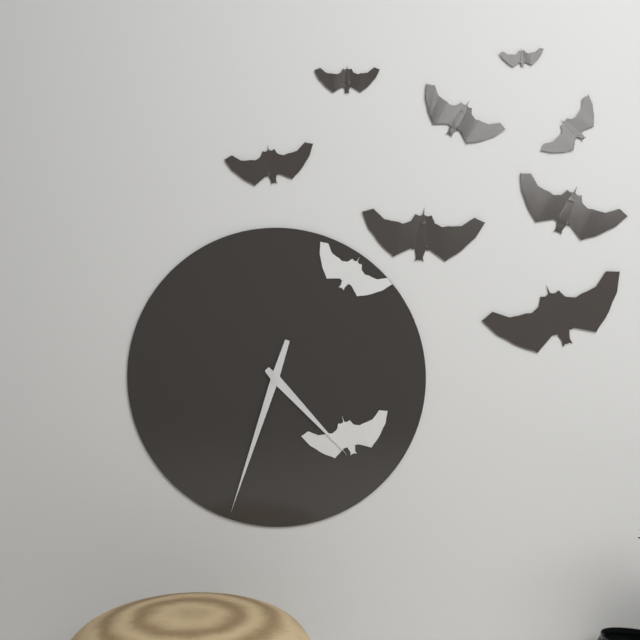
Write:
4,33
